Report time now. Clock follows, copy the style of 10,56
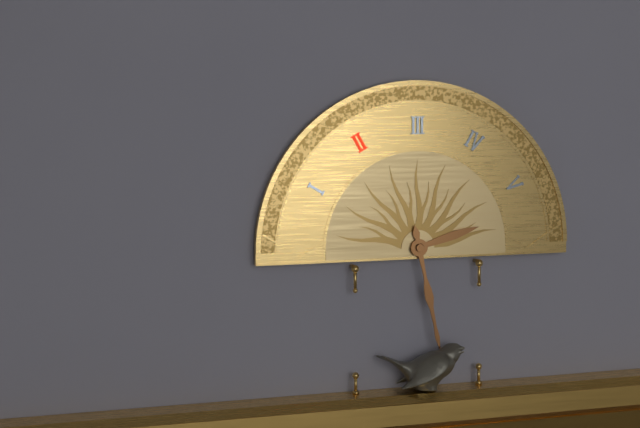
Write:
2,28
